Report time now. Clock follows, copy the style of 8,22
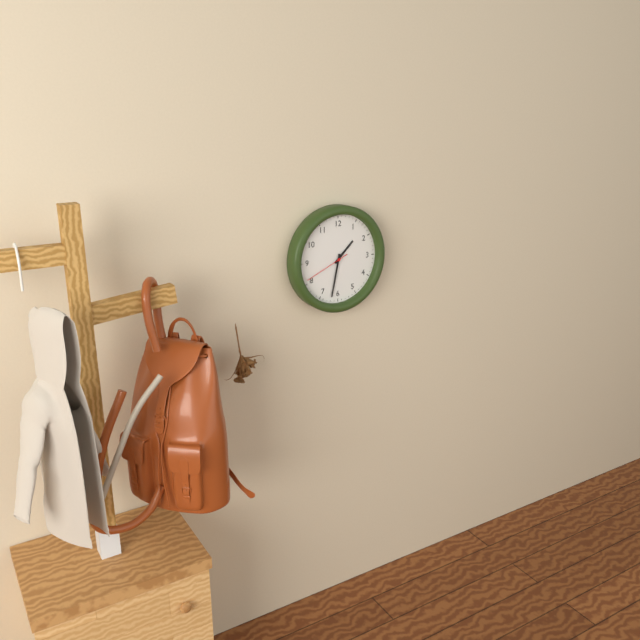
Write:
1,32
